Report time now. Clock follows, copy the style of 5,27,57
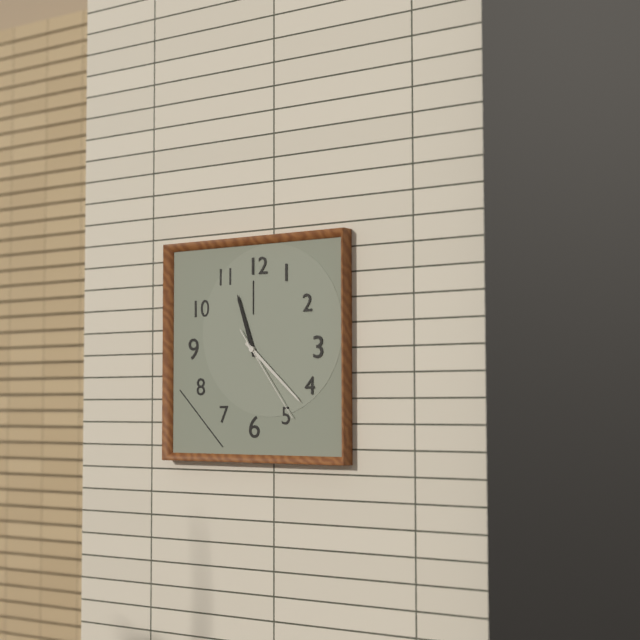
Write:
11,22,24
